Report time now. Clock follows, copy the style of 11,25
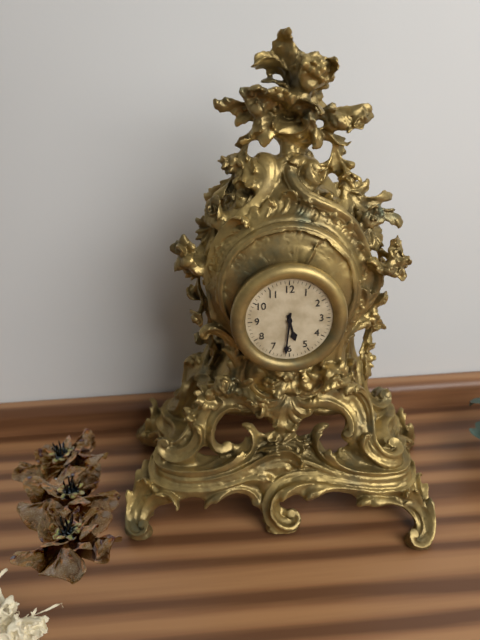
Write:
5,31
